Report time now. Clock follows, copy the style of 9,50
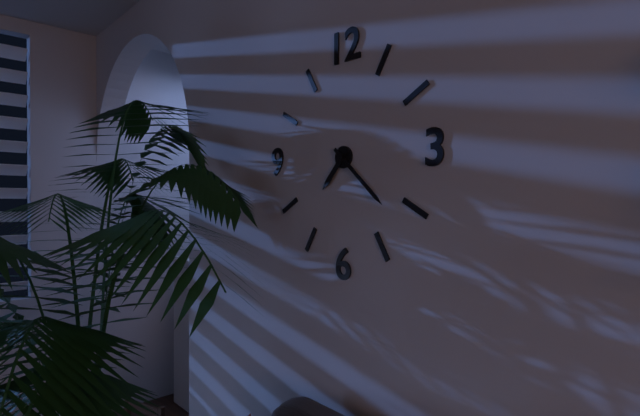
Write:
7,22
